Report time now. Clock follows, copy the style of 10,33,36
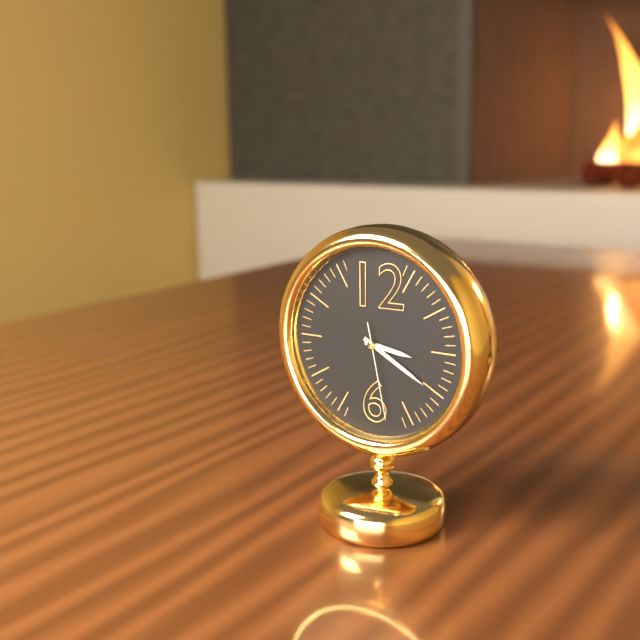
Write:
3,20,28
